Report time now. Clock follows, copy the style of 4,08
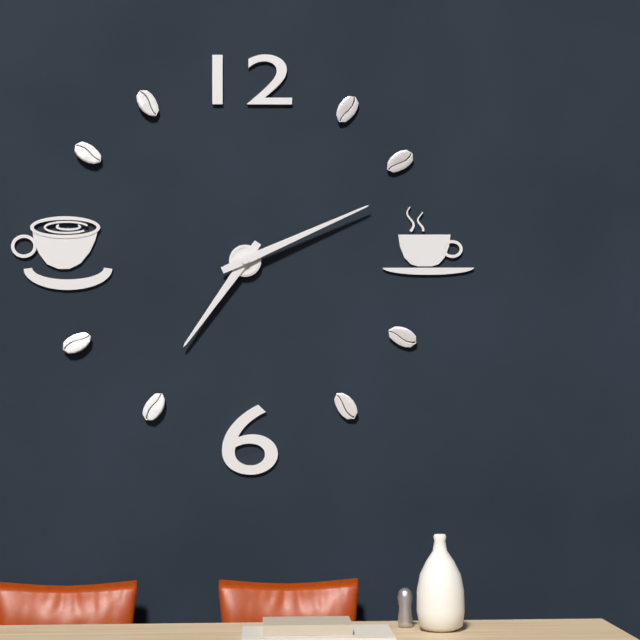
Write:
7,11
